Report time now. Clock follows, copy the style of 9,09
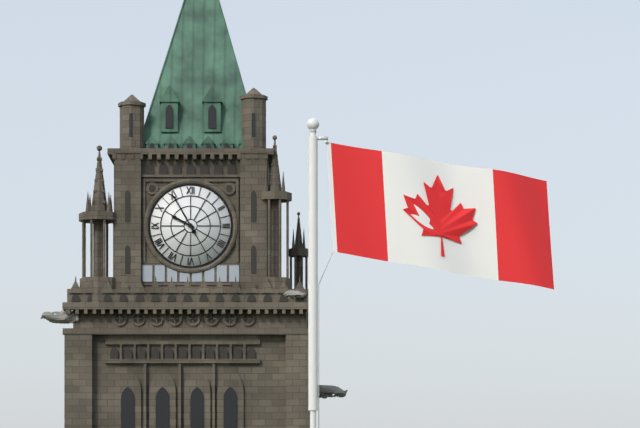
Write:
9,55
